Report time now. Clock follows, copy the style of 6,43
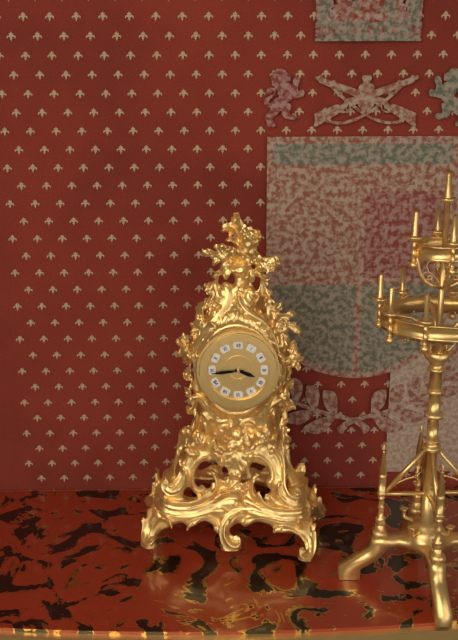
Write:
3,44
